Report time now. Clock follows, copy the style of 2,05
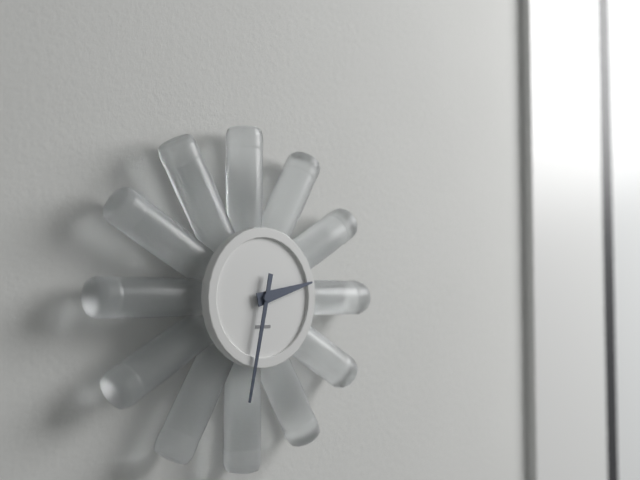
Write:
2,32
